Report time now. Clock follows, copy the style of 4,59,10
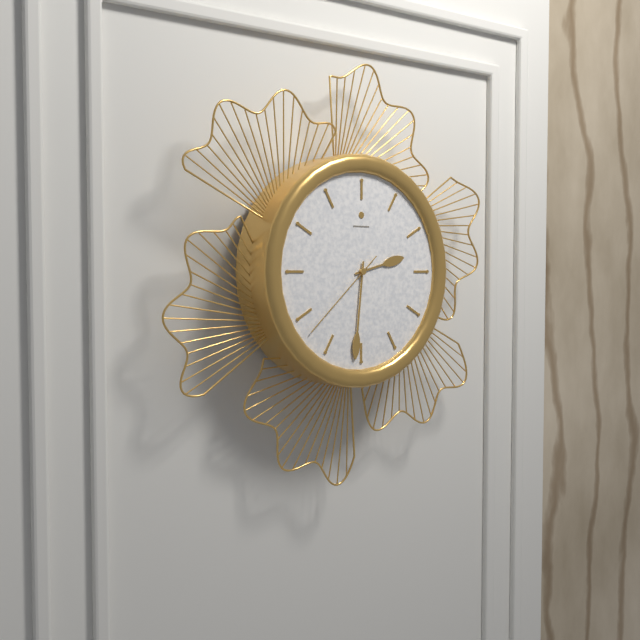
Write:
2,31,38
